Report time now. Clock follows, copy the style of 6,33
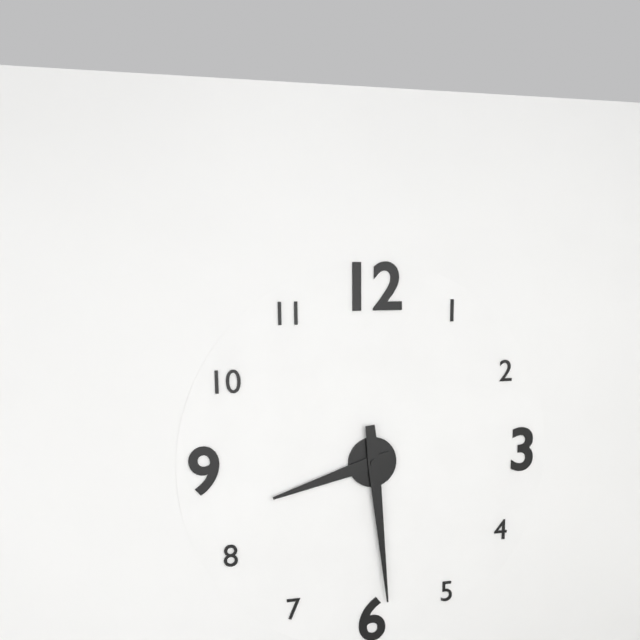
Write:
8,29
